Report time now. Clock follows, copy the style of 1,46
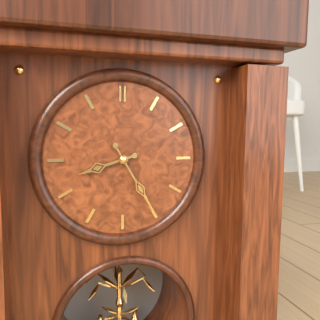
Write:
8,25
